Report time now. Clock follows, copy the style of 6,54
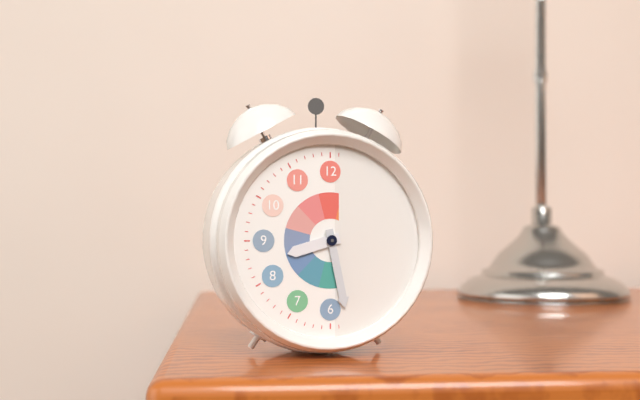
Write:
8,28
